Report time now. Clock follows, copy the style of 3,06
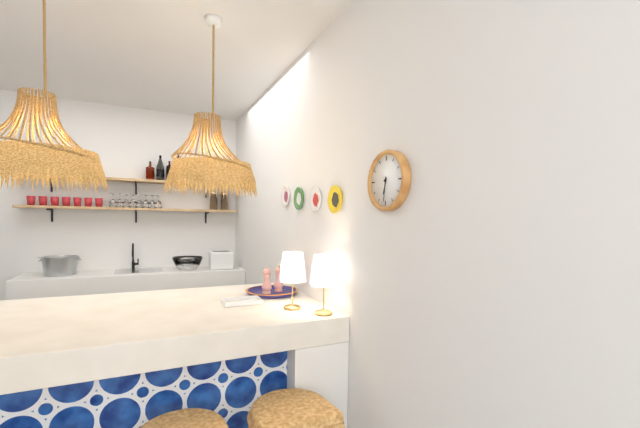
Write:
6,31
